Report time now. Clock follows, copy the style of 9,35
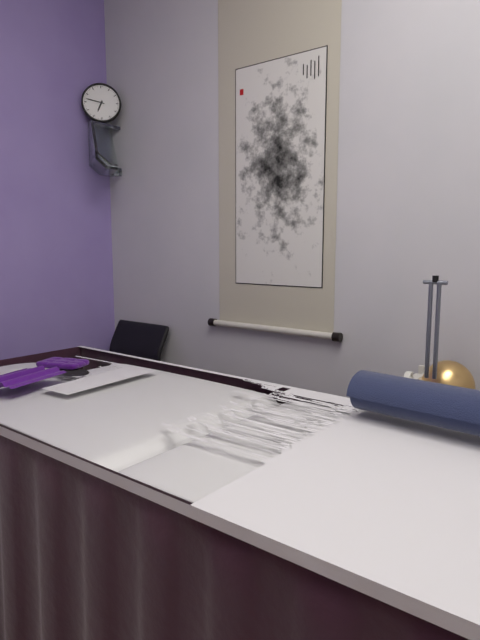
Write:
6,47
